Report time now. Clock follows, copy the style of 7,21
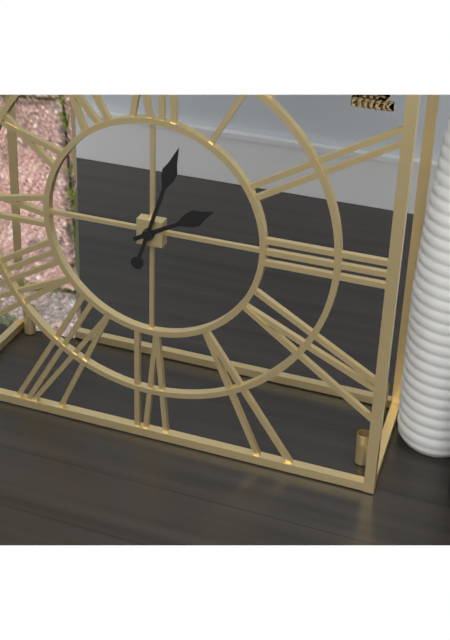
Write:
2,03
